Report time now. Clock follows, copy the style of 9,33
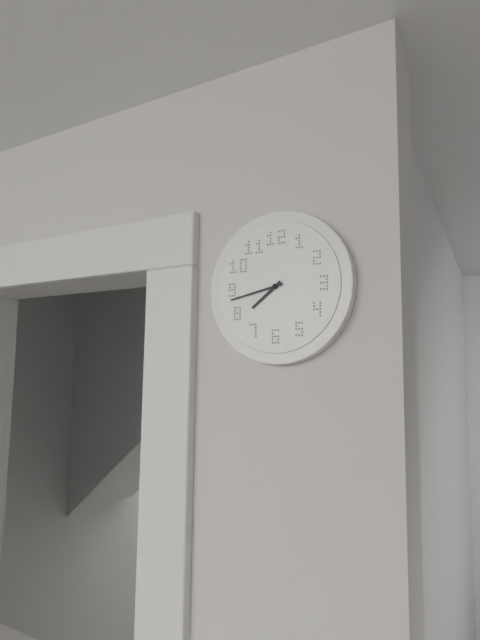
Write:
7,43
